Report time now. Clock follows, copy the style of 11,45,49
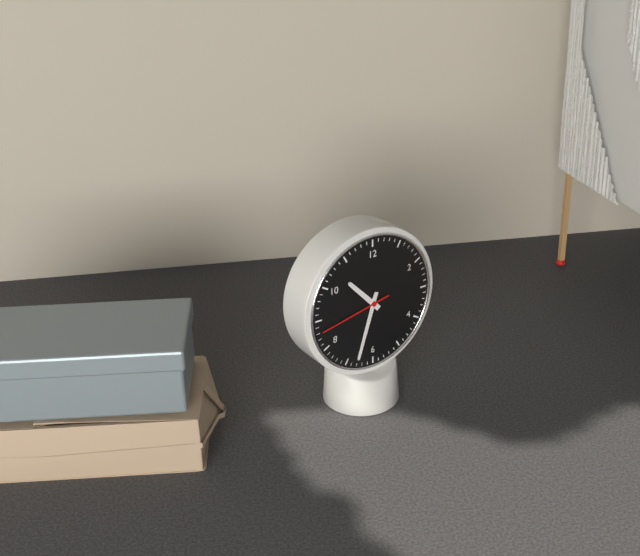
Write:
10,33,43
